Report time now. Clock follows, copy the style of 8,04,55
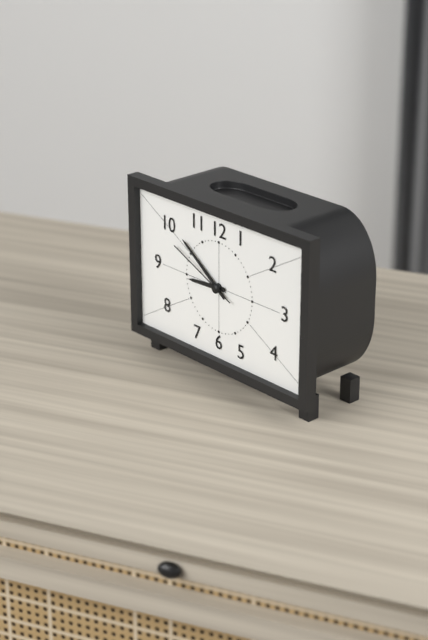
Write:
8,51,49
